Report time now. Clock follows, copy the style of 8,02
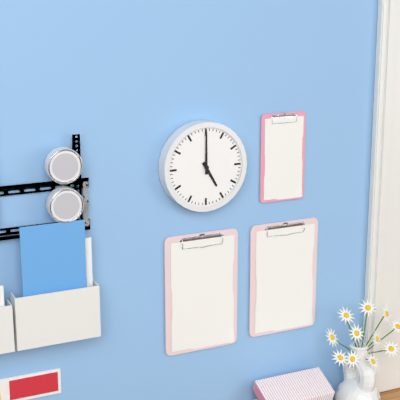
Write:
5,00
